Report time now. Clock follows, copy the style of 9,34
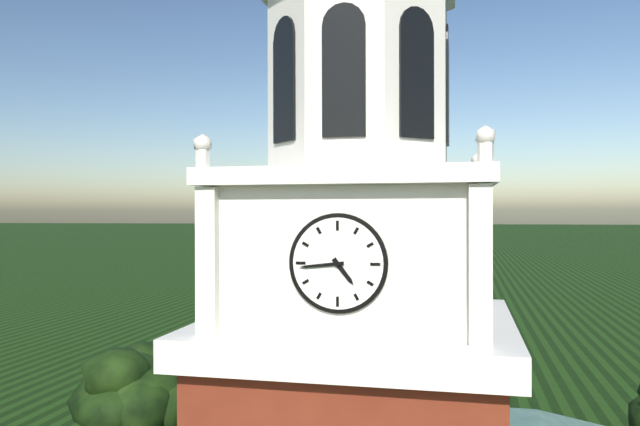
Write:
4,44
